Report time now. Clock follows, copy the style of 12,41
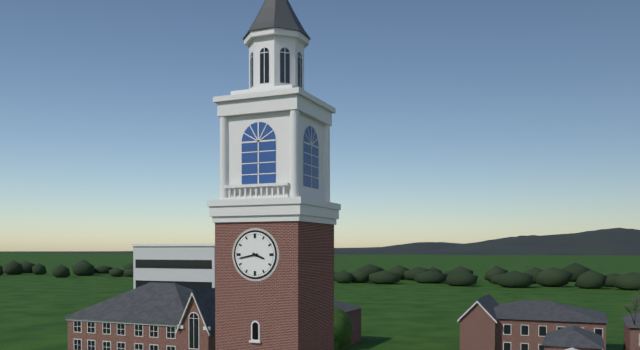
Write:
3,43
